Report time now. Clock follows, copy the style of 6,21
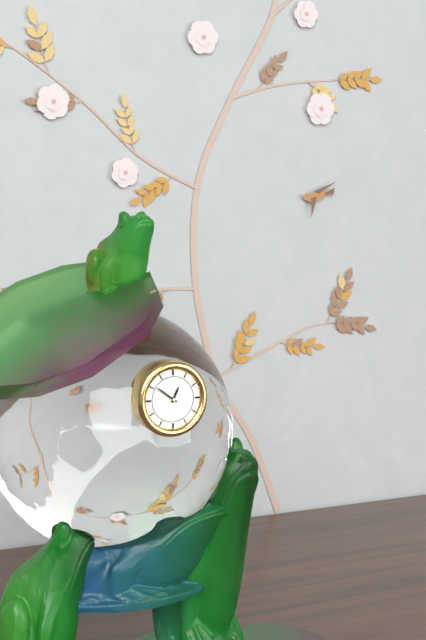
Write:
12,51
